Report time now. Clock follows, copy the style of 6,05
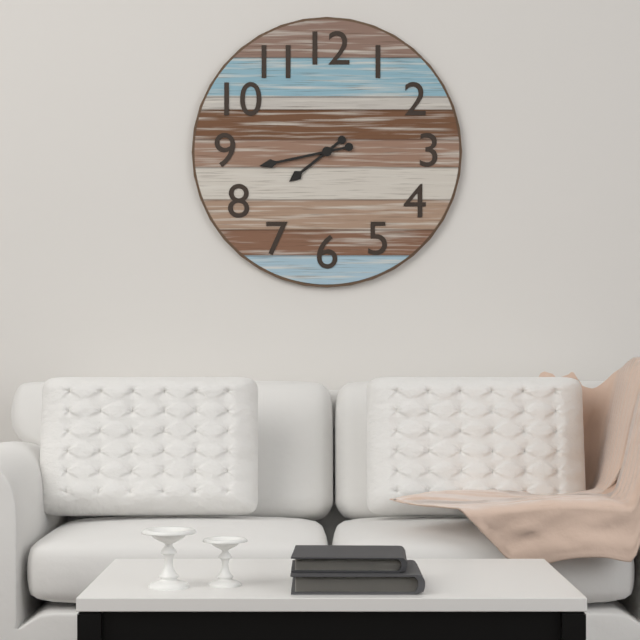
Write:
7,43
